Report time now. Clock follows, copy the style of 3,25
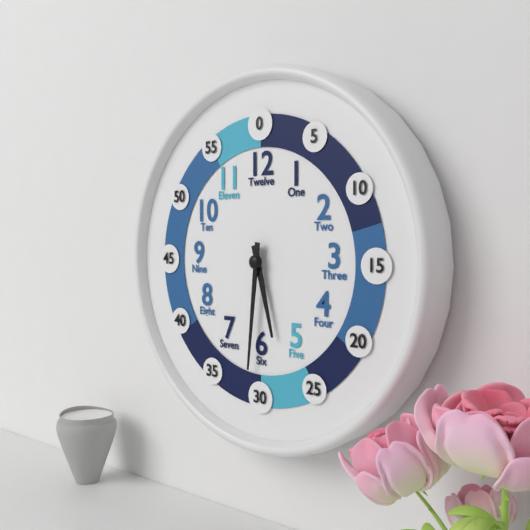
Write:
5,31
